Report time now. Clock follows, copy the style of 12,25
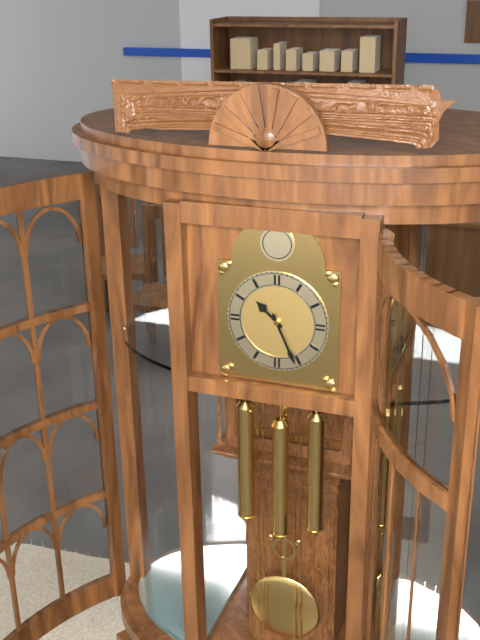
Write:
10,26
